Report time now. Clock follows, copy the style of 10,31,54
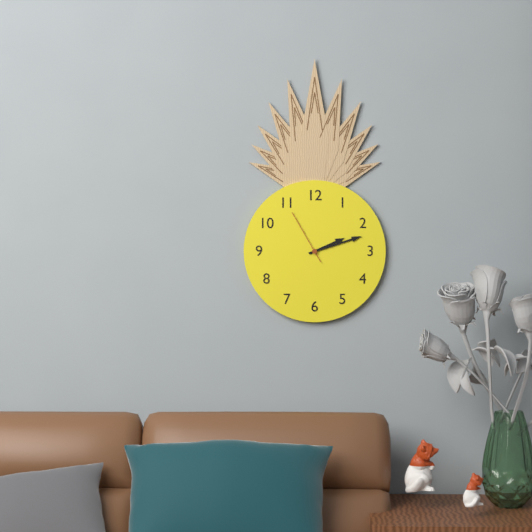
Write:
2,12,55
